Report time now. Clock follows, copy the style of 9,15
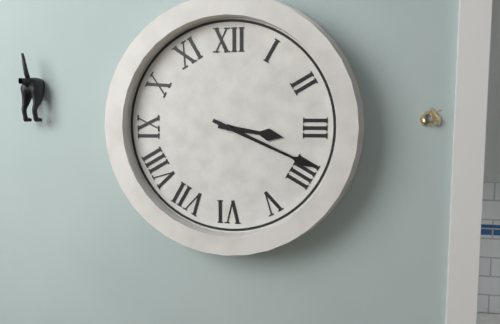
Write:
3,19
